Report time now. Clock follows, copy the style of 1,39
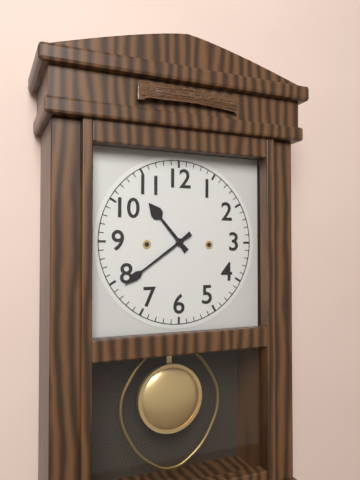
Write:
10,39
